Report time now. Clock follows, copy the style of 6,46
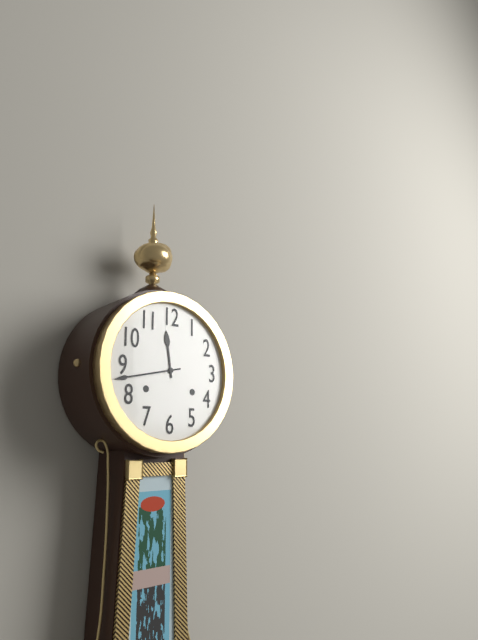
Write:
11,43
